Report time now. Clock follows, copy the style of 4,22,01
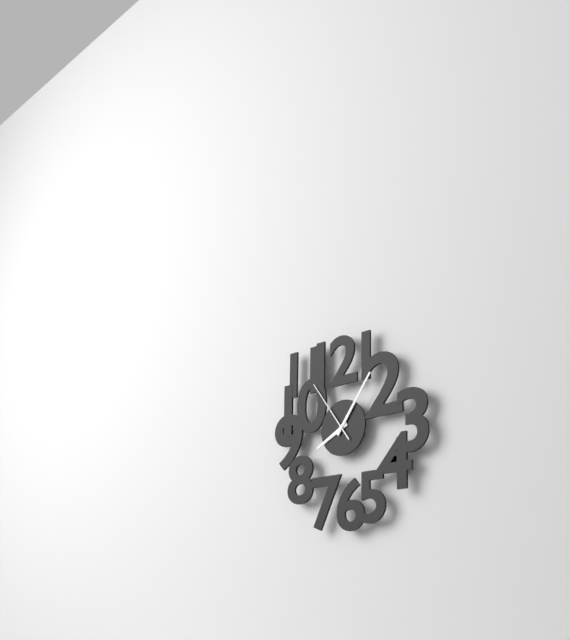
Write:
8,06,54
